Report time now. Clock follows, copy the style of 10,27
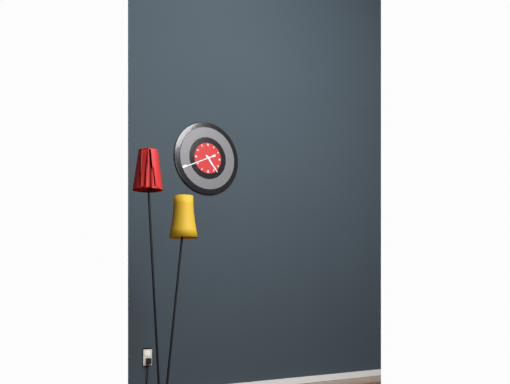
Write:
4,41
